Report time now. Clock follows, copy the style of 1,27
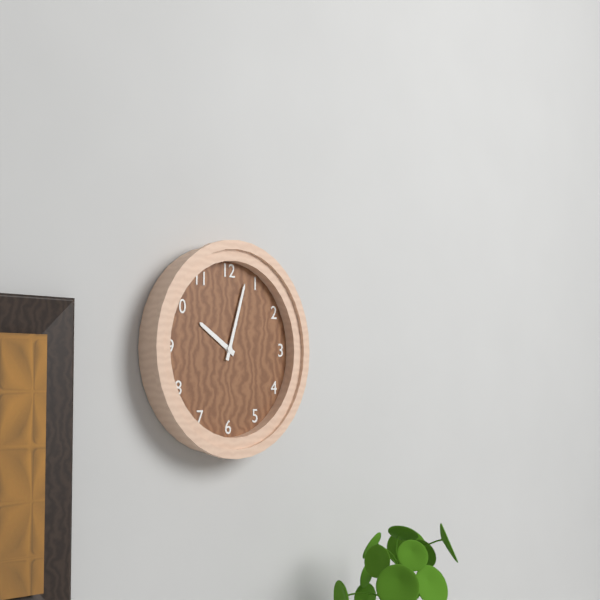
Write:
10,03
